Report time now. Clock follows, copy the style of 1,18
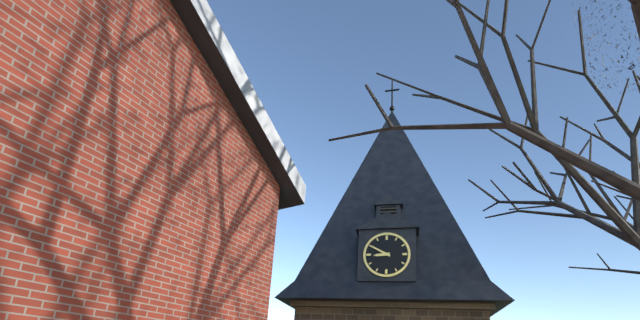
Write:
8,50
